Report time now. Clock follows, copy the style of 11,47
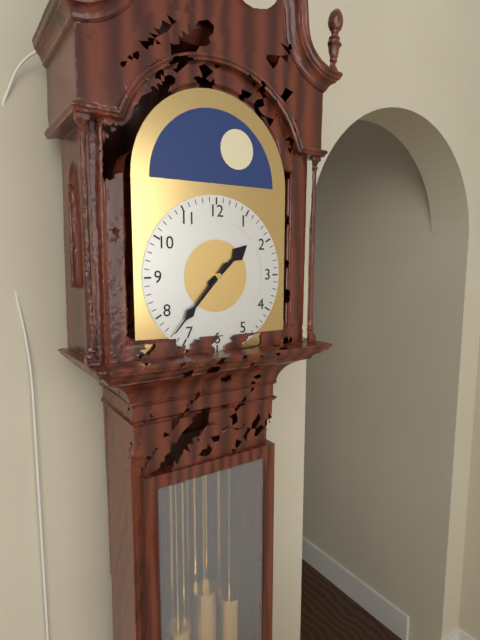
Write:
1,37
